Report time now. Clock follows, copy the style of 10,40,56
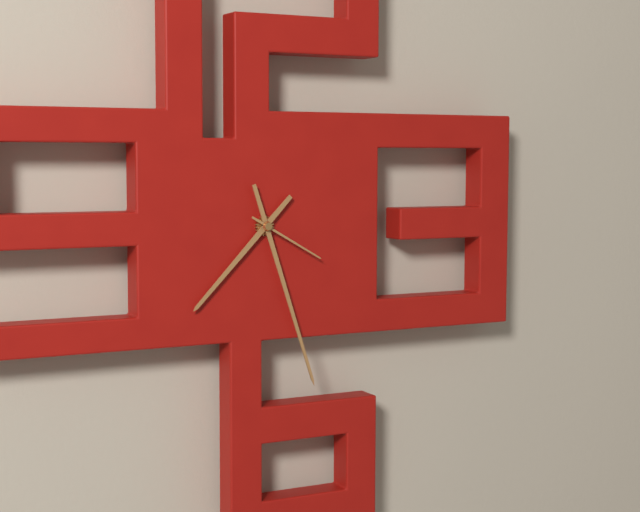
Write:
7,27,20
